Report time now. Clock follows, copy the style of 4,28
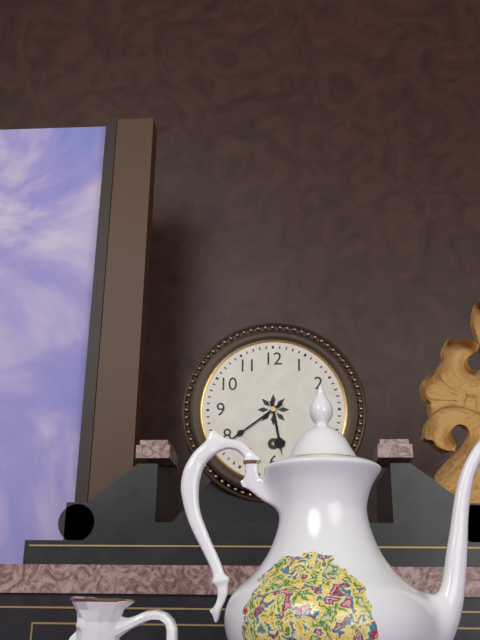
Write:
5,39
